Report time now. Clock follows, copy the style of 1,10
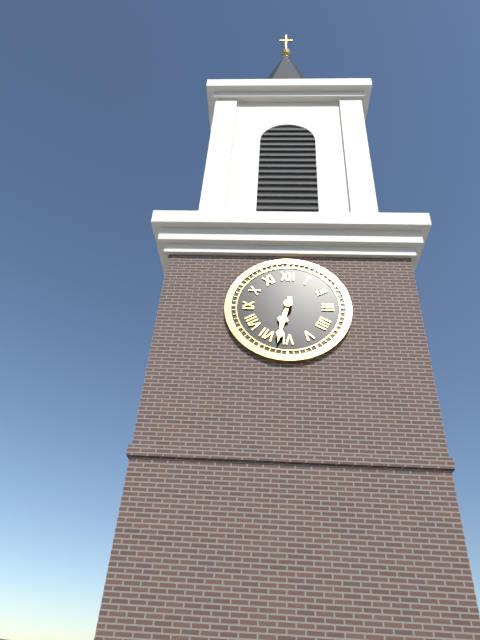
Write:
6,32
